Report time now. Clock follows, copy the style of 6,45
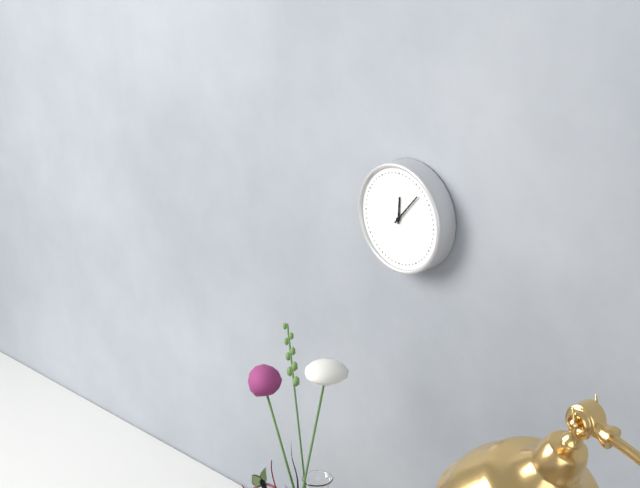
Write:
12,07
